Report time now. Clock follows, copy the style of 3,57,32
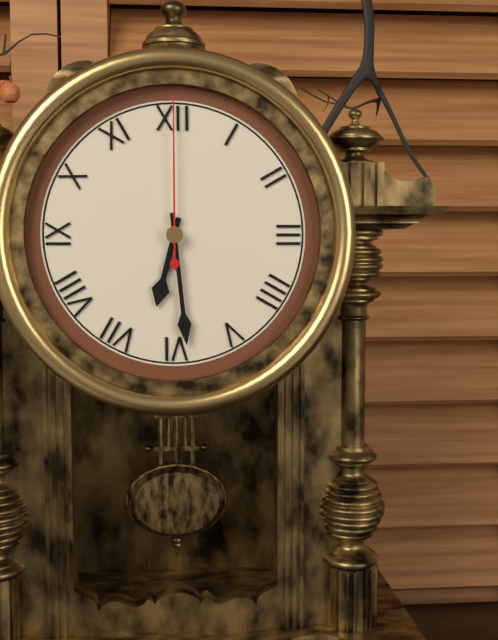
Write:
6,29,00
